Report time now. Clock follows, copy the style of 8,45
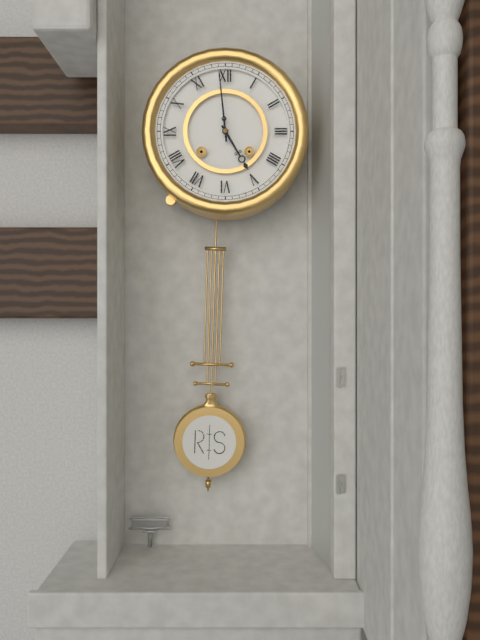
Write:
4,59
